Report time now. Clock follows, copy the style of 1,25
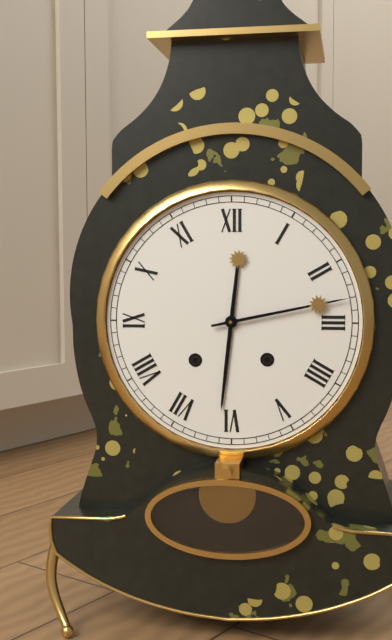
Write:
6,13
